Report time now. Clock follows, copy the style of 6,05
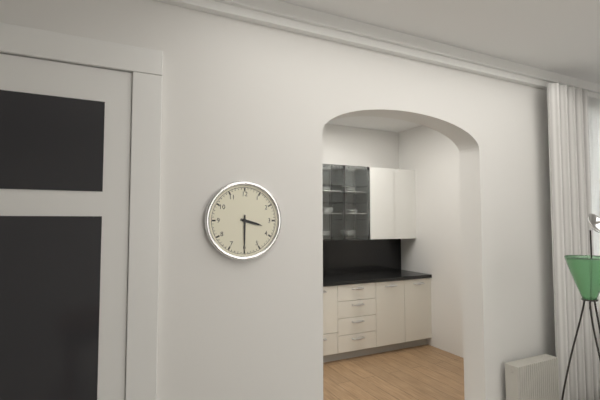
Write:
3,30
